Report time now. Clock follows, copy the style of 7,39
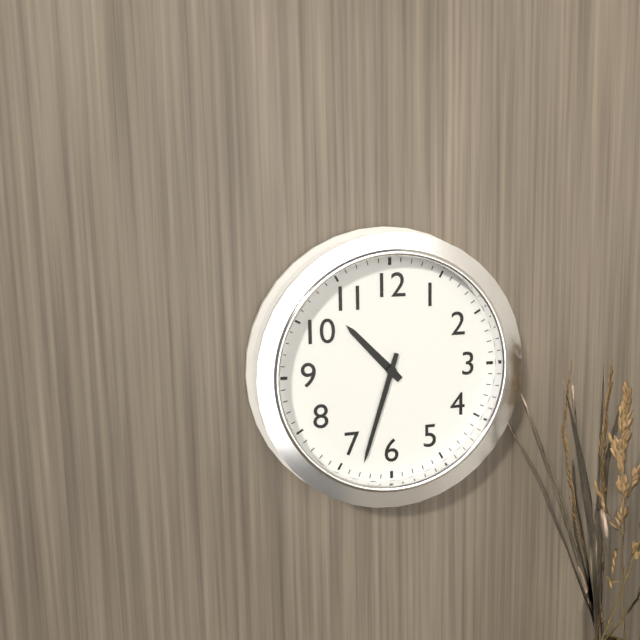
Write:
10,33
